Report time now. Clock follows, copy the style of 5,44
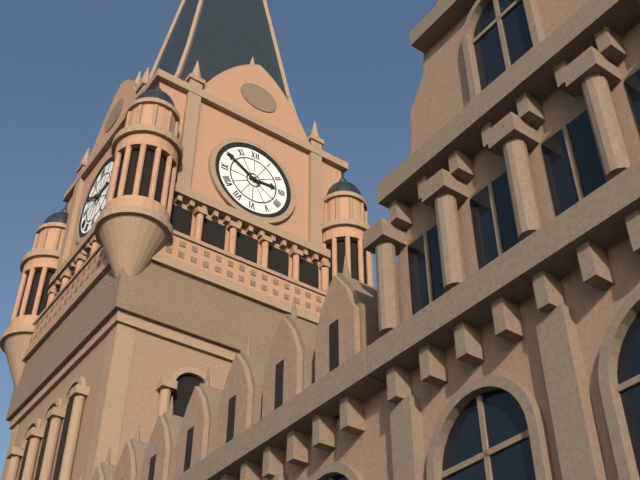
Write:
2,50
